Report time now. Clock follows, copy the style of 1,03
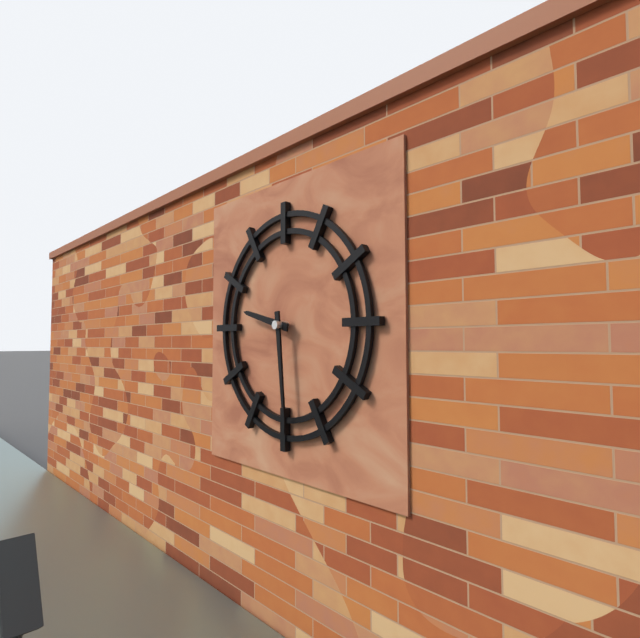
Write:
9,29
